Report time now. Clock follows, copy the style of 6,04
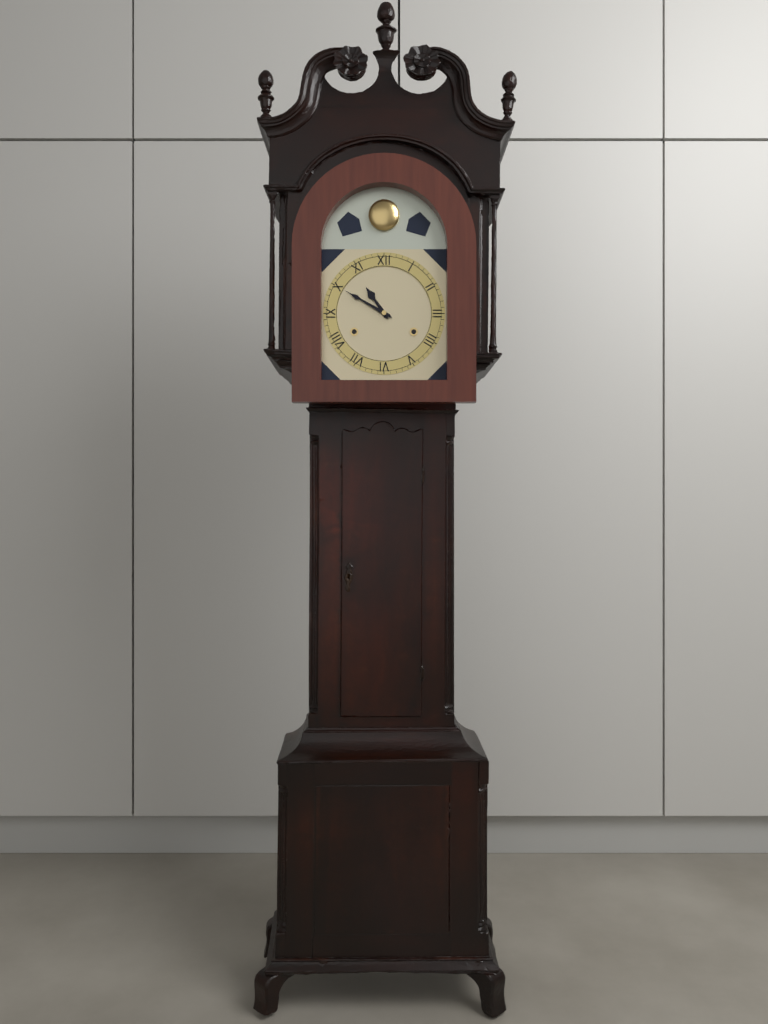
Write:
10,50
